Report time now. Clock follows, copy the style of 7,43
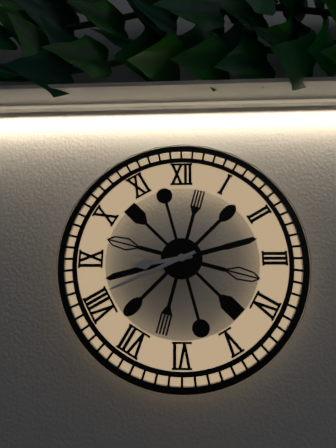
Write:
8,41
